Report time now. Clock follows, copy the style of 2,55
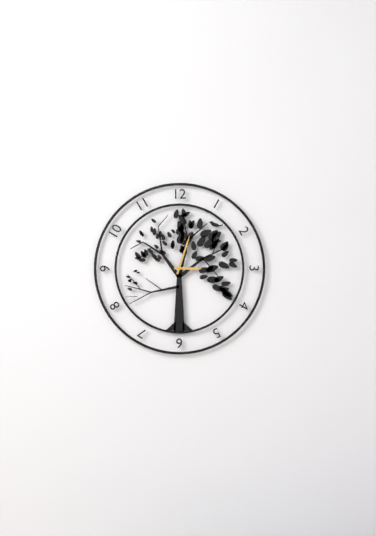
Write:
3,03
